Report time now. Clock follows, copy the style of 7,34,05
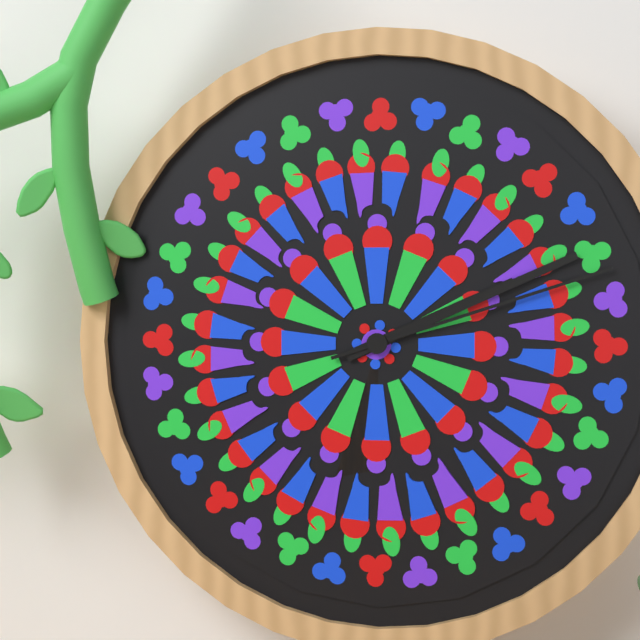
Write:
2,11,12
